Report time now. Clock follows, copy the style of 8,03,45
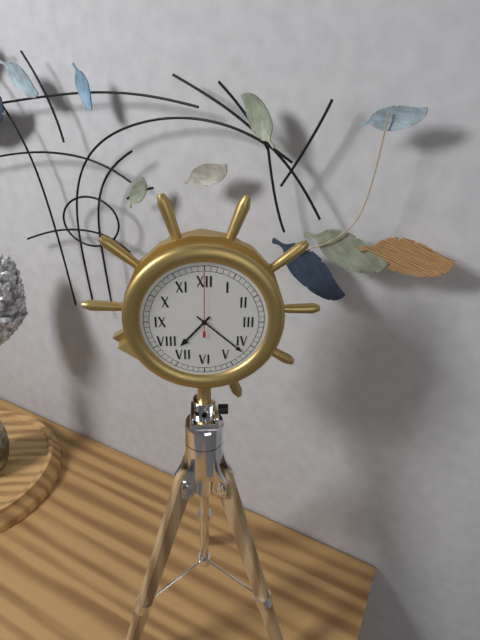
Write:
7,22,00
